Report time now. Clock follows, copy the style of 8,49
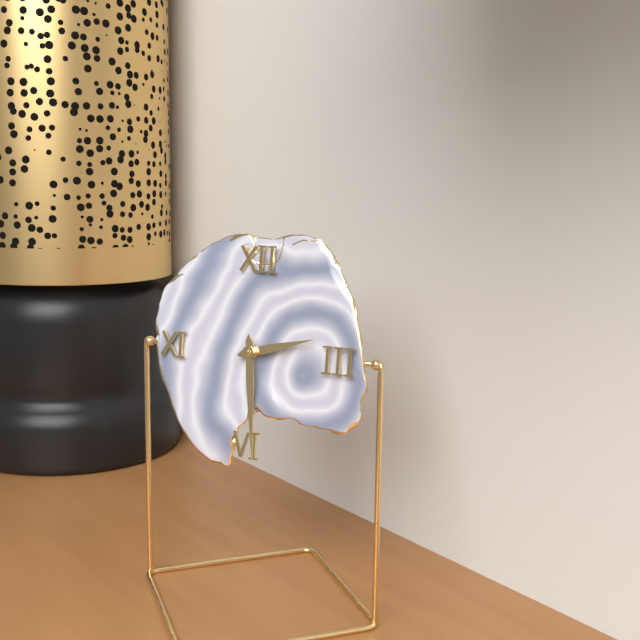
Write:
2,29
